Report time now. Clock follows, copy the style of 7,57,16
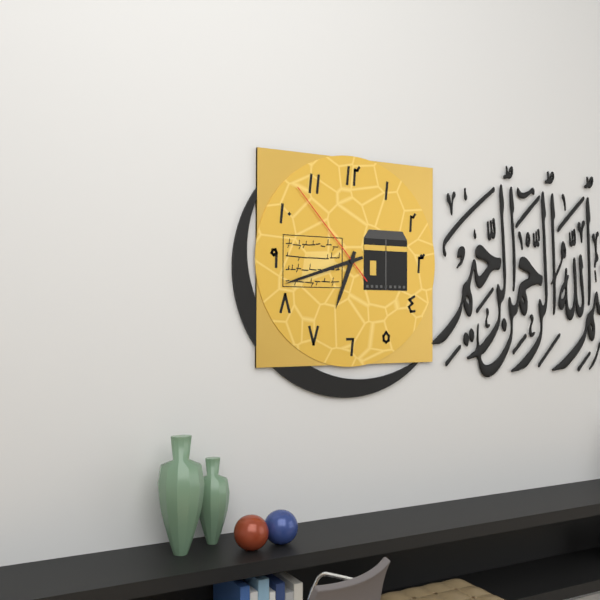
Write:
6,42,53
